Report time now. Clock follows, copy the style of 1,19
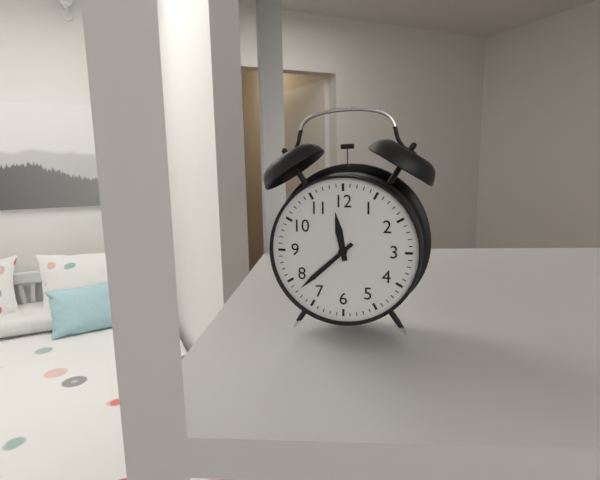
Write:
11,38
